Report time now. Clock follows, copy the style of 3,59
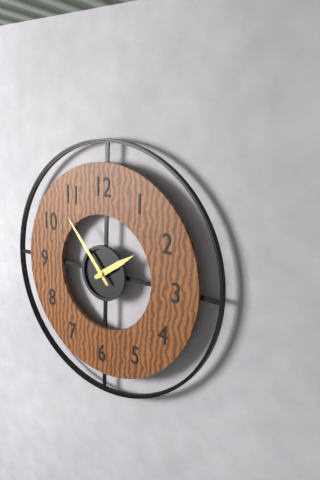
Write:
1,53
